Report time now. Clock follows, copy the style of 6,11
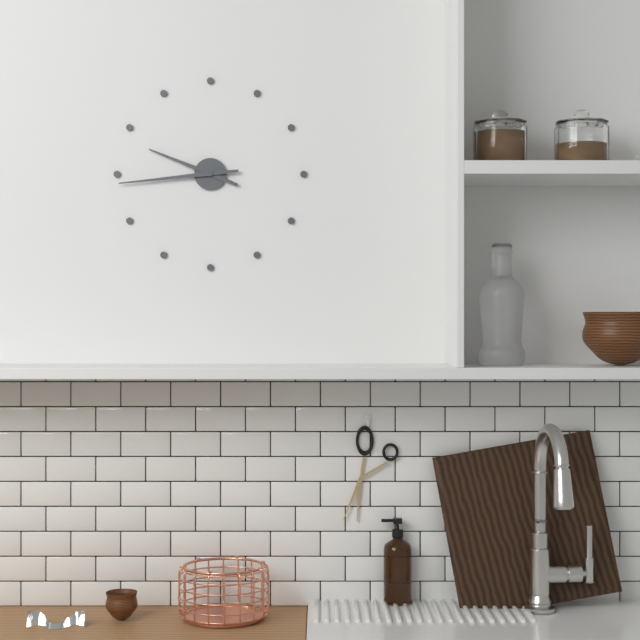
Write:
9,44
